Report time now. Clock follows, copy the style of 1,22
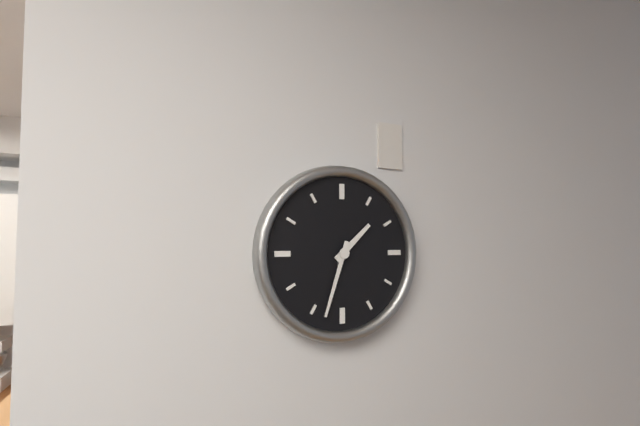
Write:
1,33
